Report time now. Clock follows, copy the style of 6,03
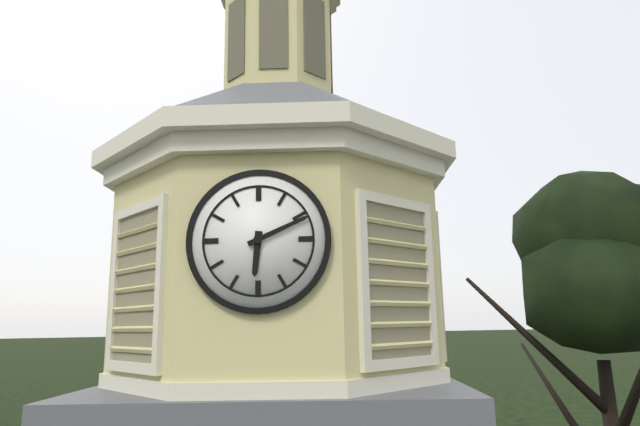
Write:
6,11
